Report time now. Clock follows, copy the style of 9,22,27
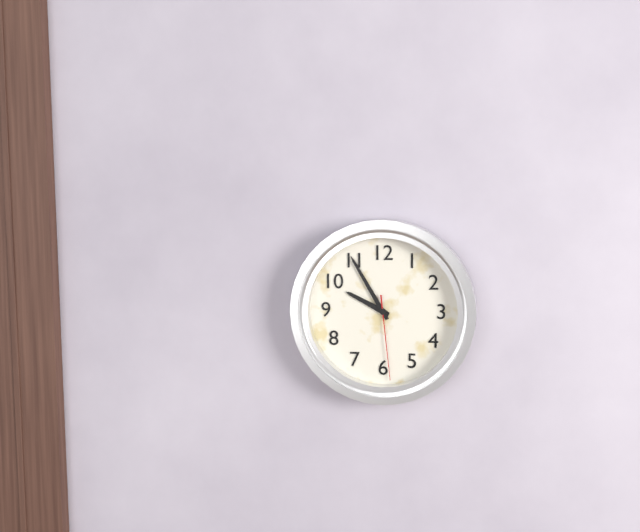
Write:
9,55,29
